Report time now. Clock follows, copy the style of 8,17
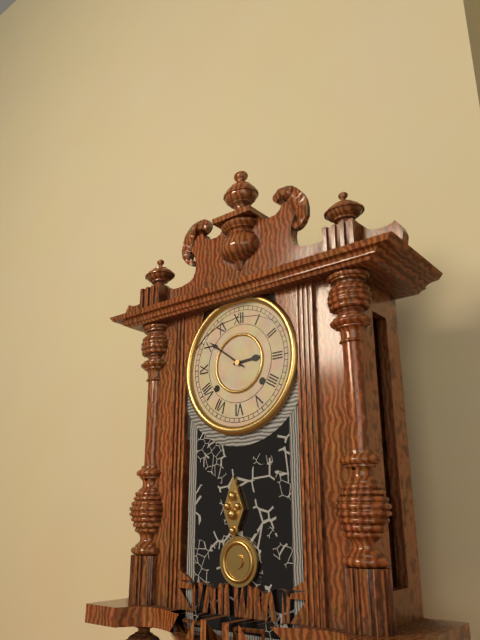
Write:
2,51
